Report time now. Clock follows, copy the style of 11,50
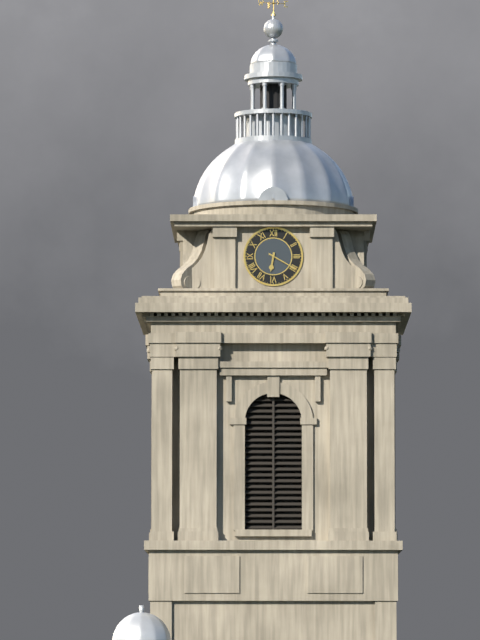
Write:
6,20
